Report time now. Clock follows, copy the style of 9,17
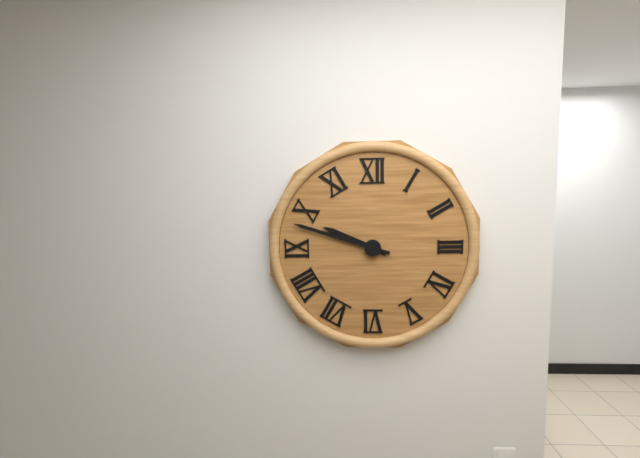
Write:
9,48
